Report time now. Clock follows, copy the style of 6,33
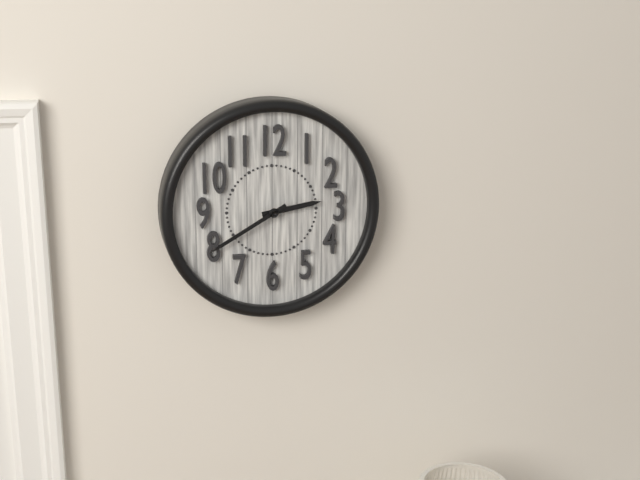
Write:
2,40
